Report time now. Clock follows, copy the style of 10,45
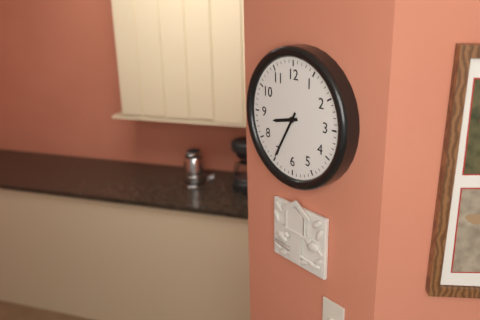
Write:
8,35
